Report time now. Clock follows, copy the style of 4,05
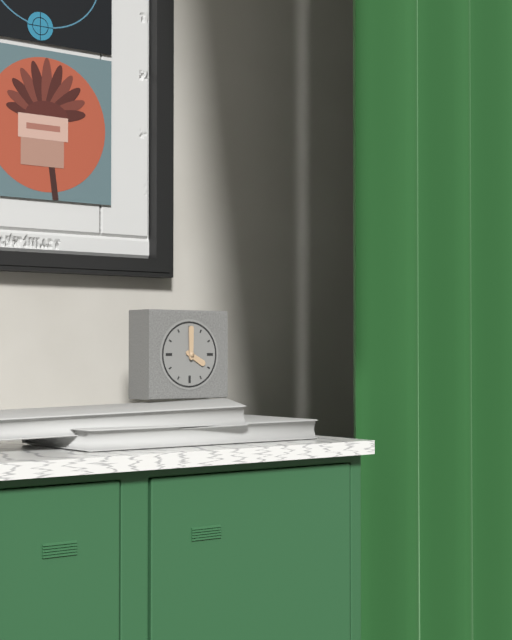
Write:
4,00
